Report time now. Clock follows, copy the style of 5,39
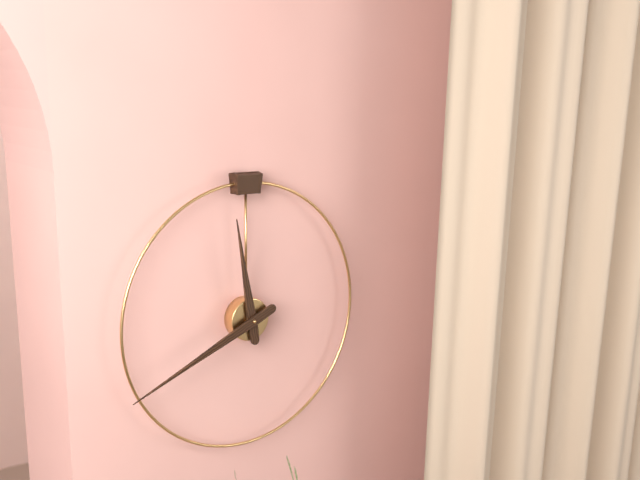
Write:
11,41
